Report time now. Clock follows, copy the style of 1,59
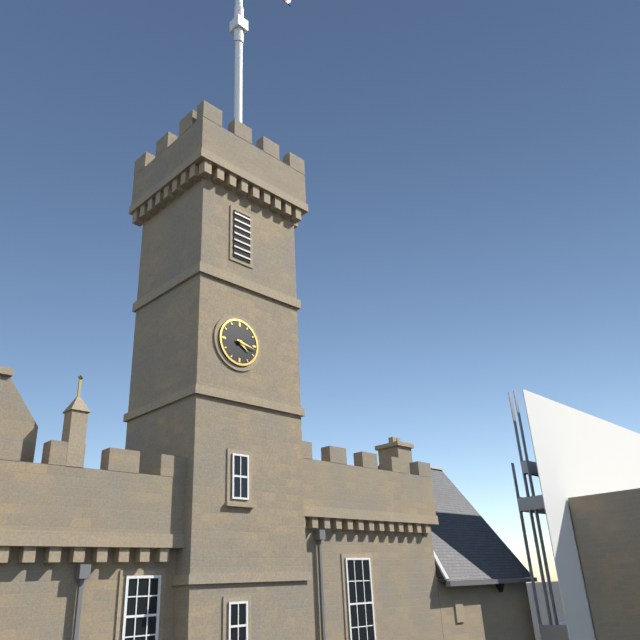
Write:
4,17
